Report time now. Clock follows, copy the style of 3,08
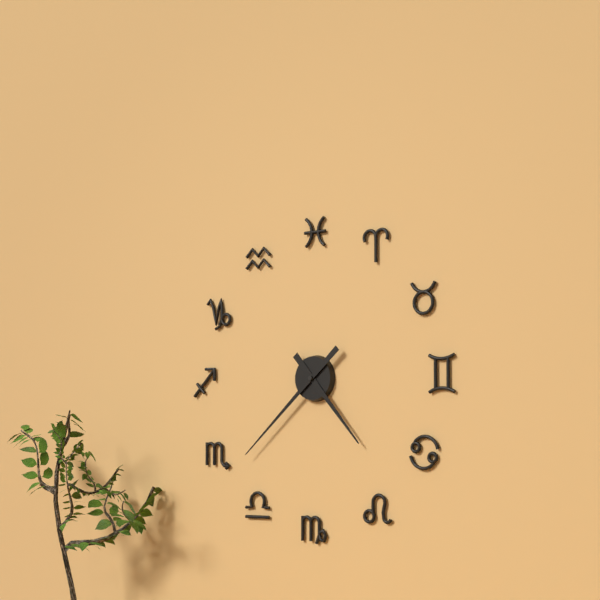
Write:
4,38
